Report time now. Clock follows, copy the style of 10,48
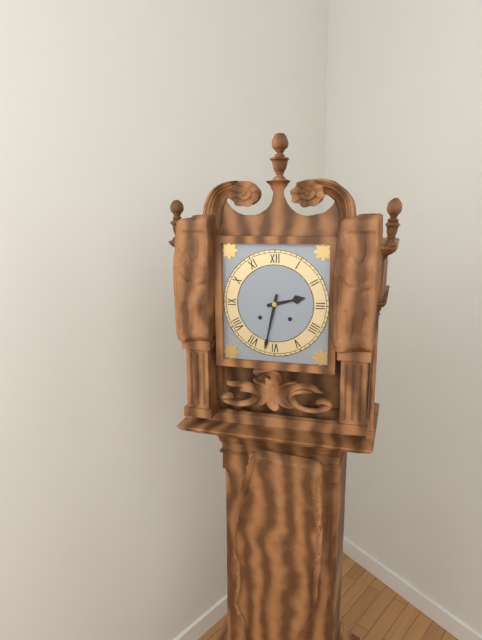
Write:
2,32
